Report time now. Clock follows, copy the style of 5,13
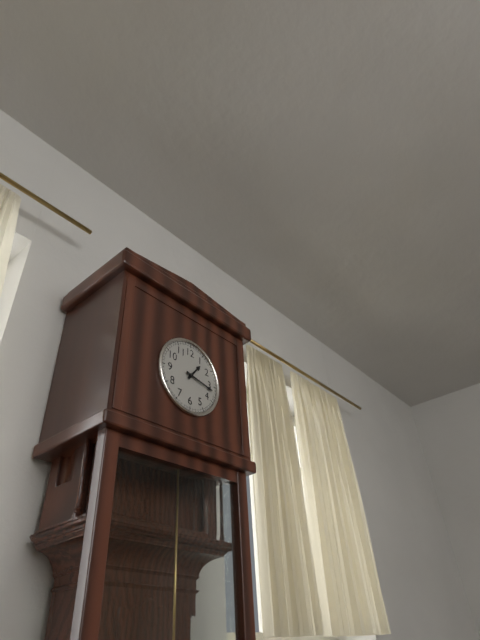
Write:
1,17
